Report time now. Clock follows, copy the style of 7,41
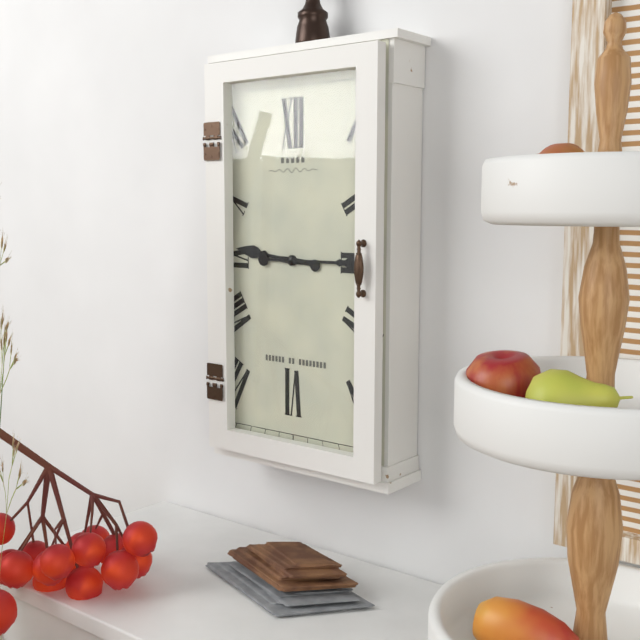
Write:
9,15
